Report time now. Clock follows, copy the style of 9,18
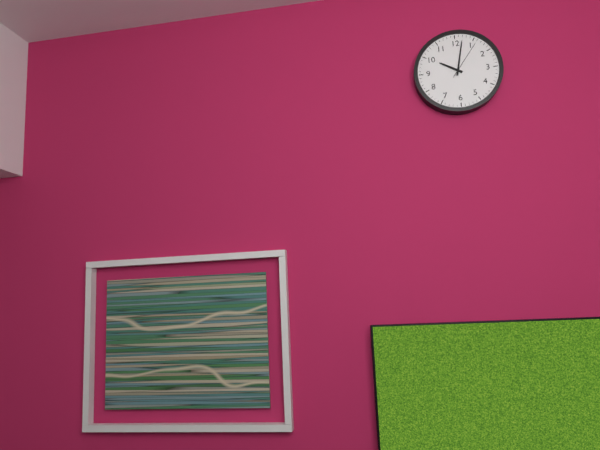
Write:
10,02
